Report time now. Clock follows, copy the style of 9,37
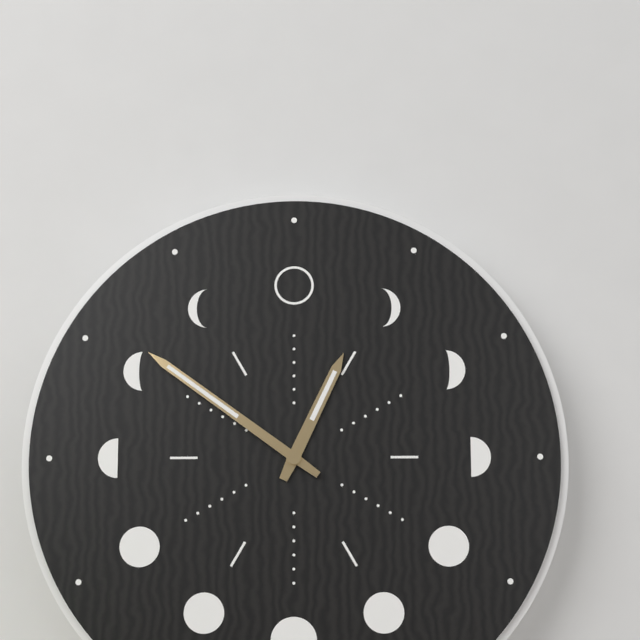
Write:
12,51
